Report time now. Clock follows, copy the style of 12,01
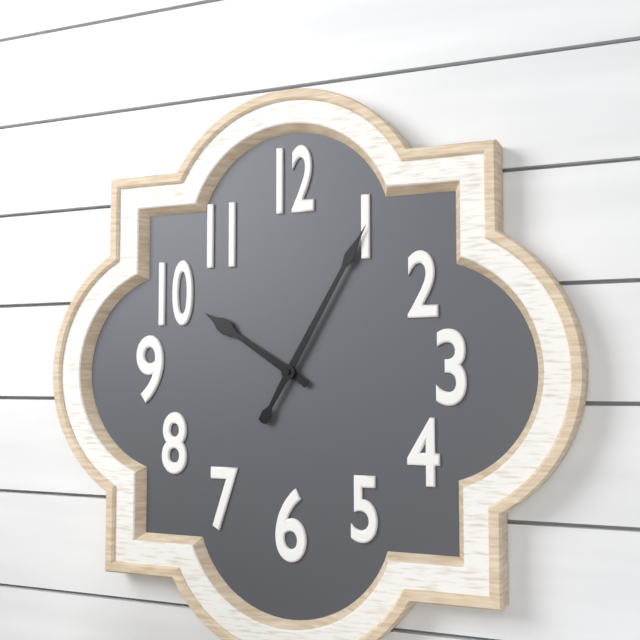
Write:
10,05
